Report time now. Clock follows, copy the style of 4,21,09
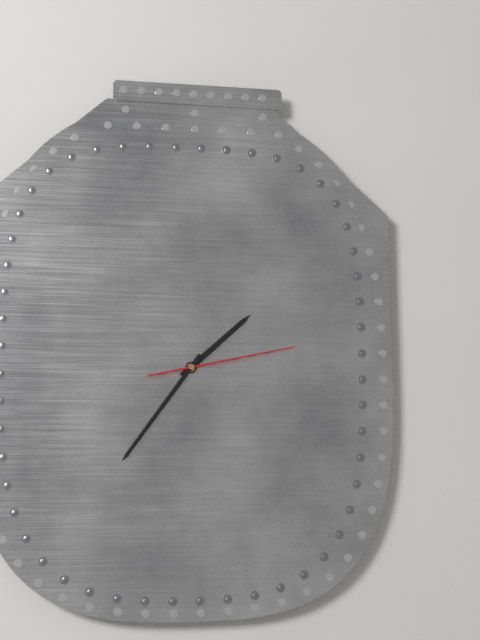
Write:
1,36,13
